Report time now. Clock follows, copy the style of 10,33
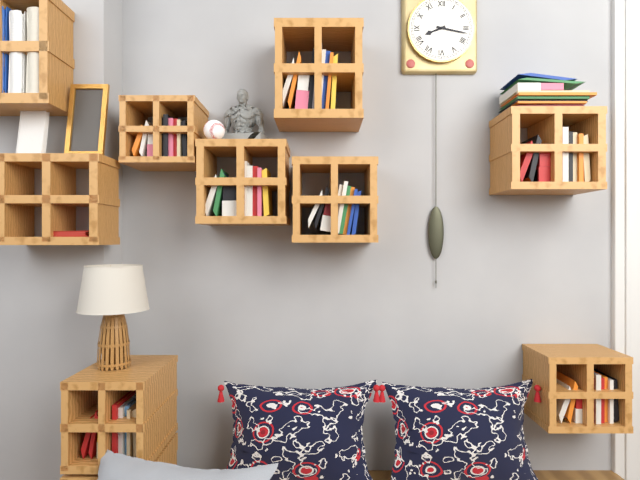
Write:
8,17
